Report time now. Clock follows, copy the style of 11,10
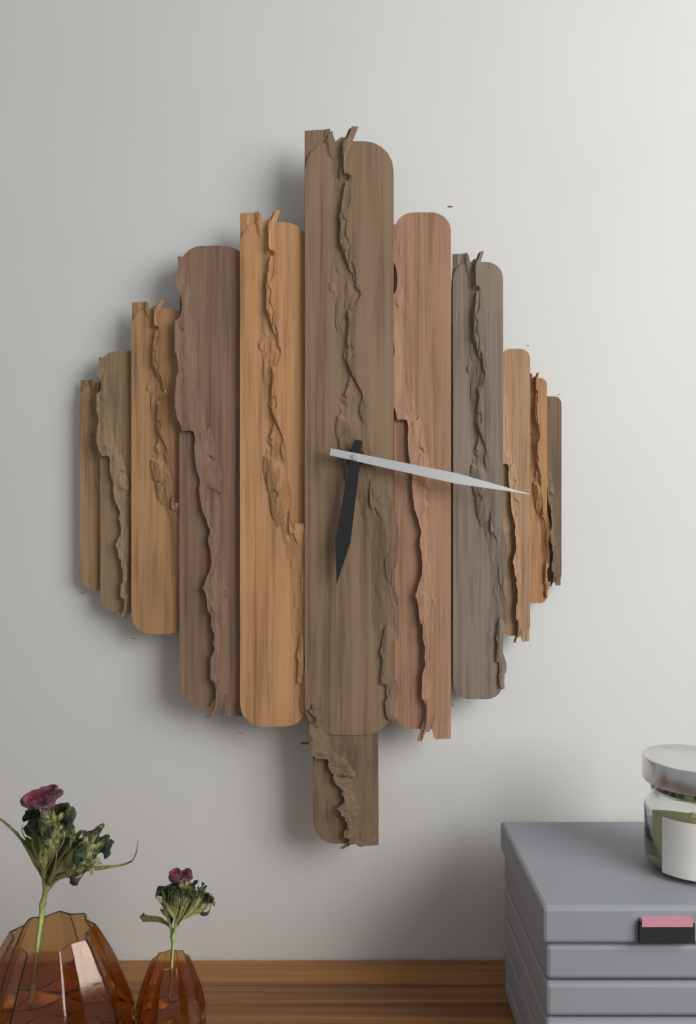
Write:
6,17
